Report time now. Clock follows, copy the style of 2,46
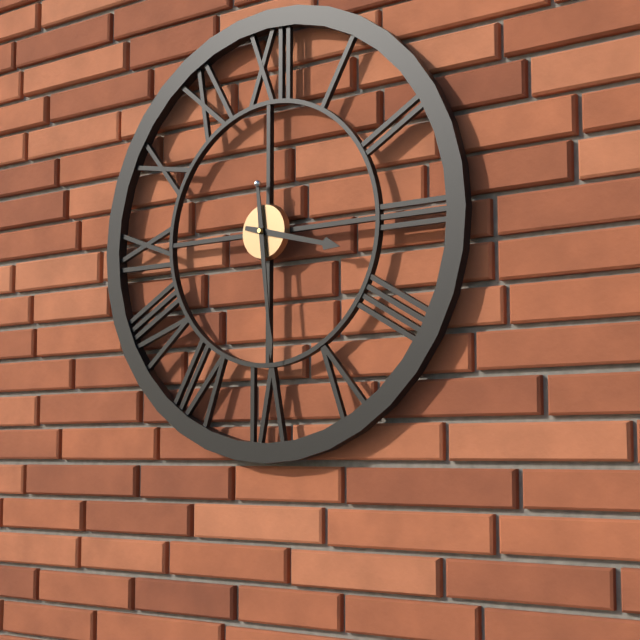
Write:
3,29
